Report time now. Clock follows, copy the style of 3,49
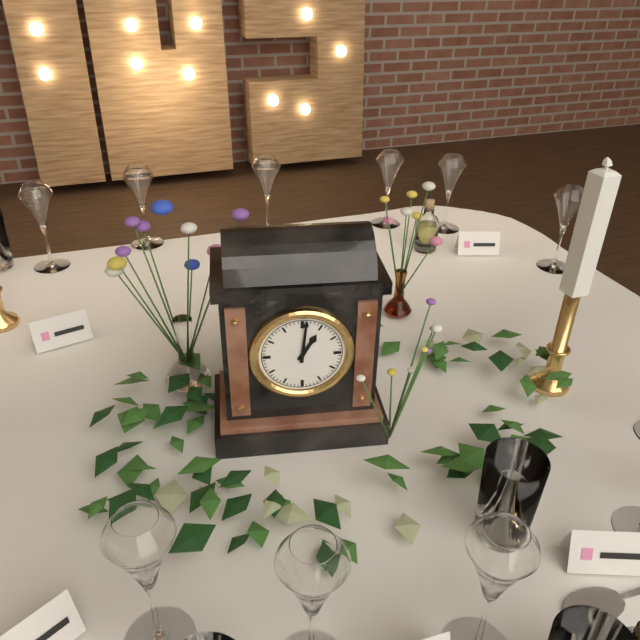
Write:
1,01
